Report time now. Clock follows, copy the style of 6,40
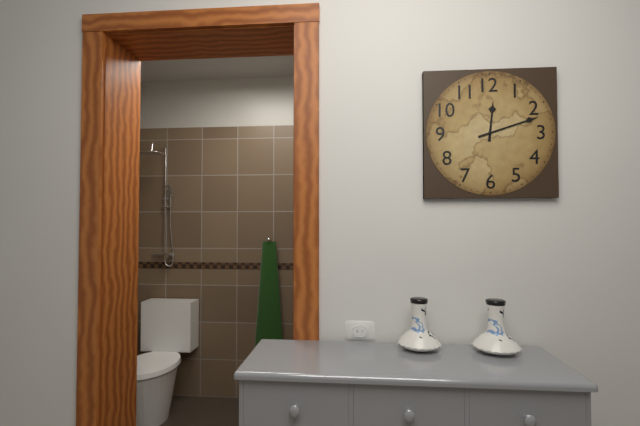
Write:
12,12
